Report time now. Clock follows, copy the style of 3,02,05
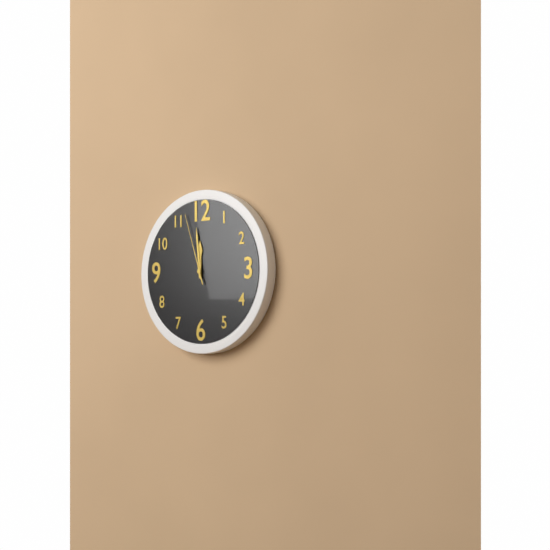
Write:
11,59,57
